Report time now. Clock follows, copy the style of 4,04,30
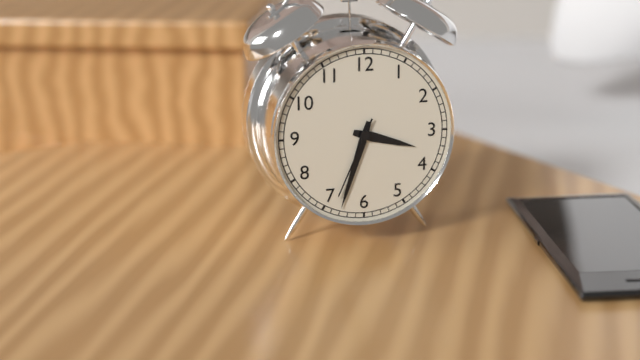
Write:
3,33,34
